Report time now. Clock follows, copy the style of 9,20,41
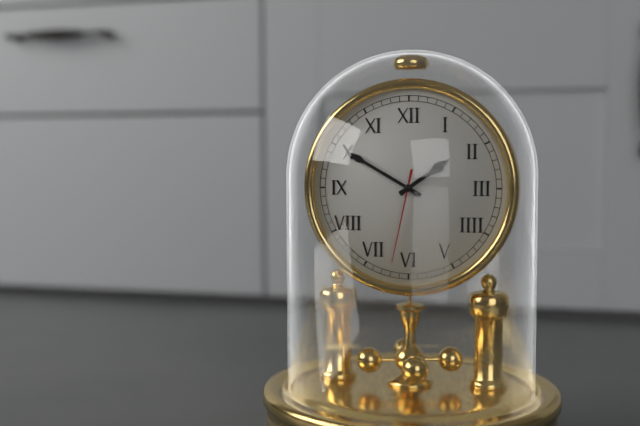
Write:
1,50,32
